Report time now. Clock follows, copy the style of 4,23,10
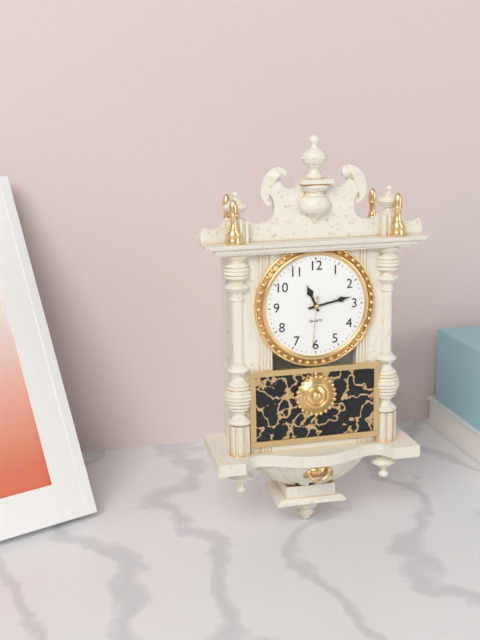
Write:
11,13,31
